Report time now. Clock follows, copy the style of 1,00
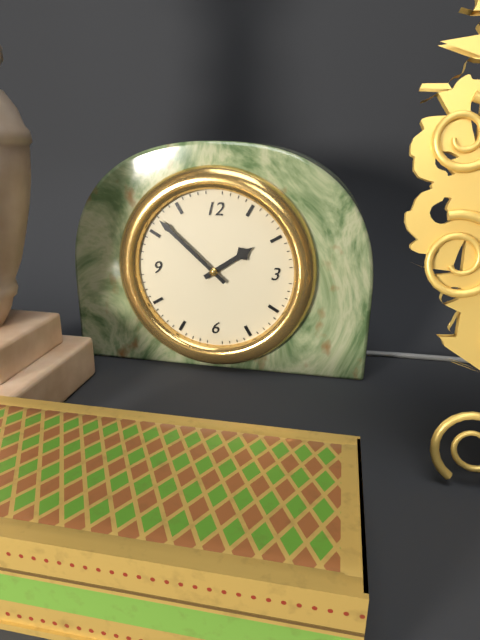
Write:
1,52
